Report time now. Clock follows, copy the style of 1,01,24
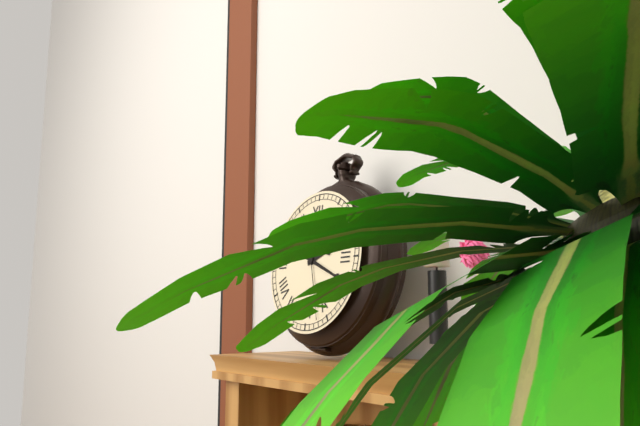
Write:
2,19,27
